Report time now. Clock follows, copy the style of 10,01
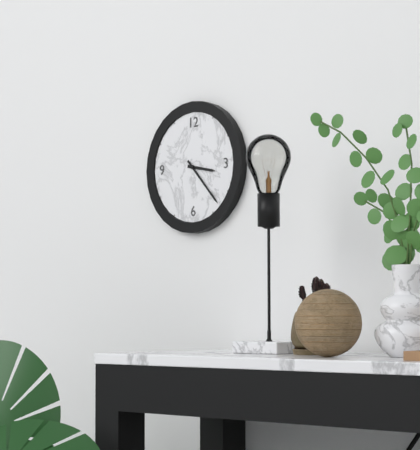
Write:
3,23
